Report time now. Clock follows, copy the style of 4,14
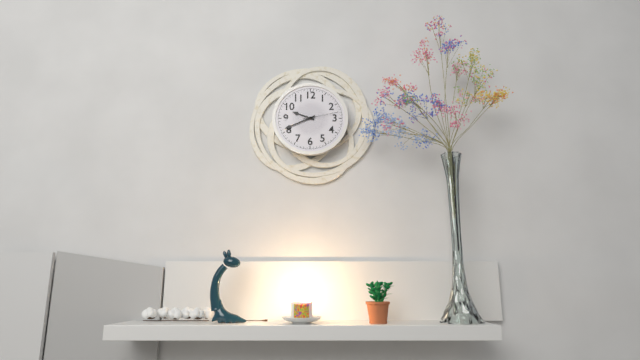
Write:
9,41
